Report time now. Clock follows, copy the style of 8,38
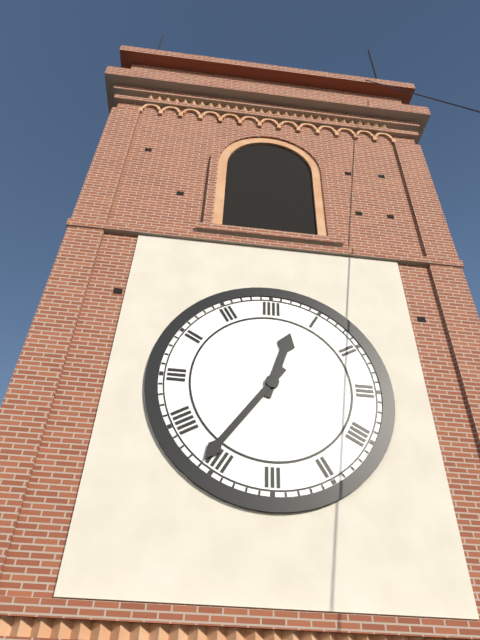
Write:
12,36
